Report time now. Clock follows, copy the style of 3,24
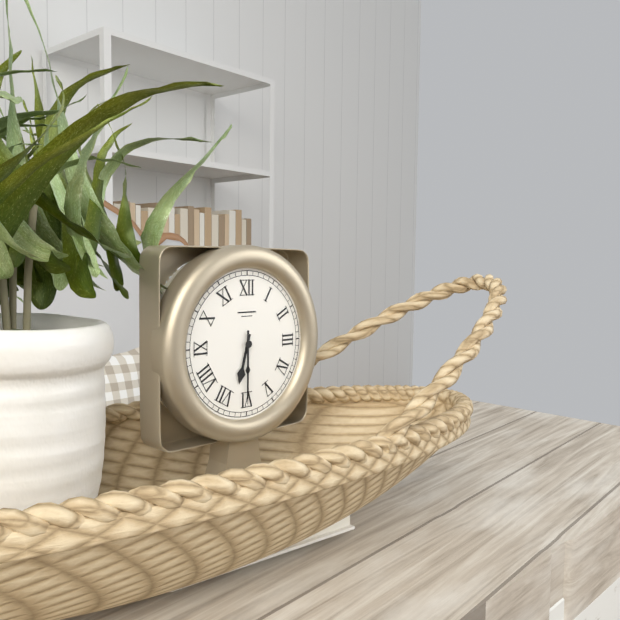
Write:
6,30
